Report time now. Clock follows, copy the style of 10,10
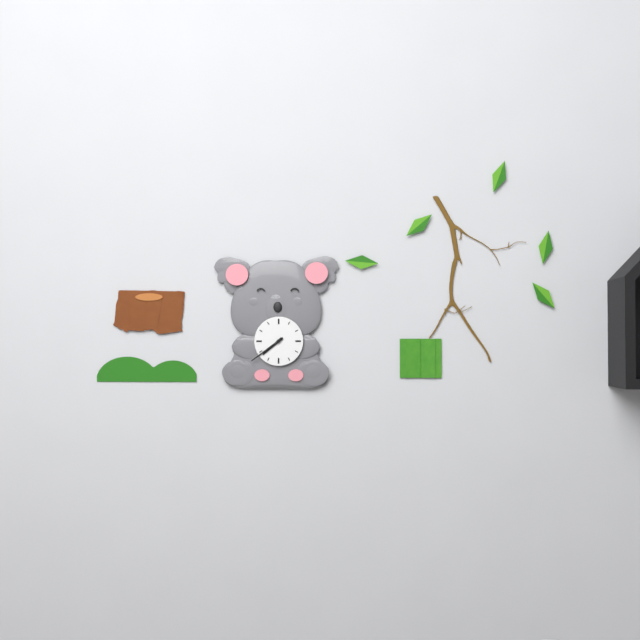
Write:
7,39
